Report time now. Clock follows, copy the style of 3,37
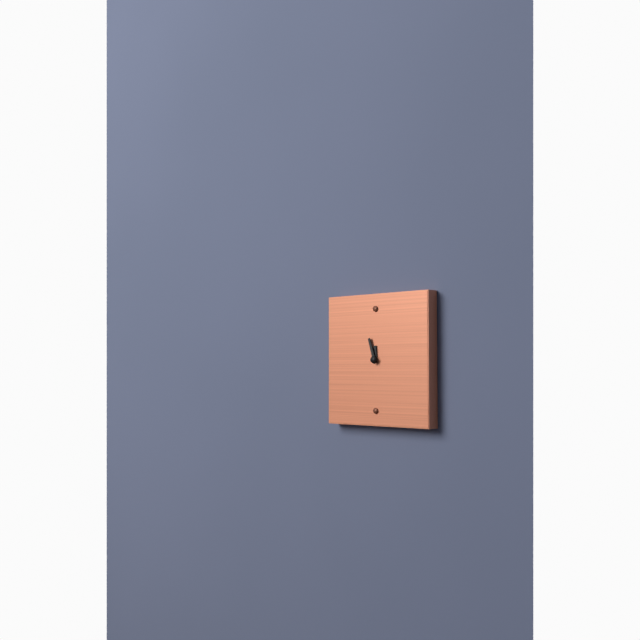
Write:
11,57
